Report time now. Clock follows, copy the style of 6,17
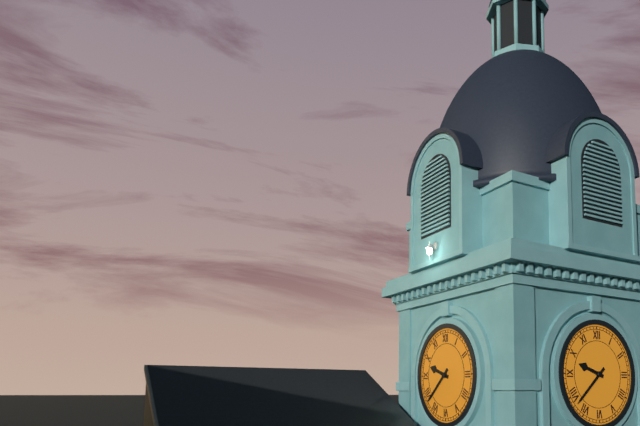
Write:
9,38
